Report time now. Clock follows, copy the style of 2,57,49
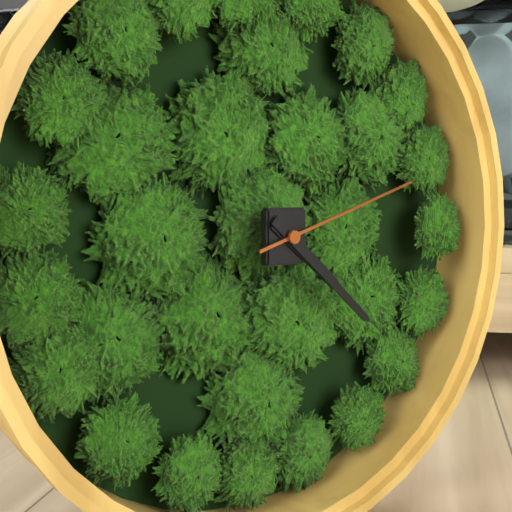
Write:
4,22,12
